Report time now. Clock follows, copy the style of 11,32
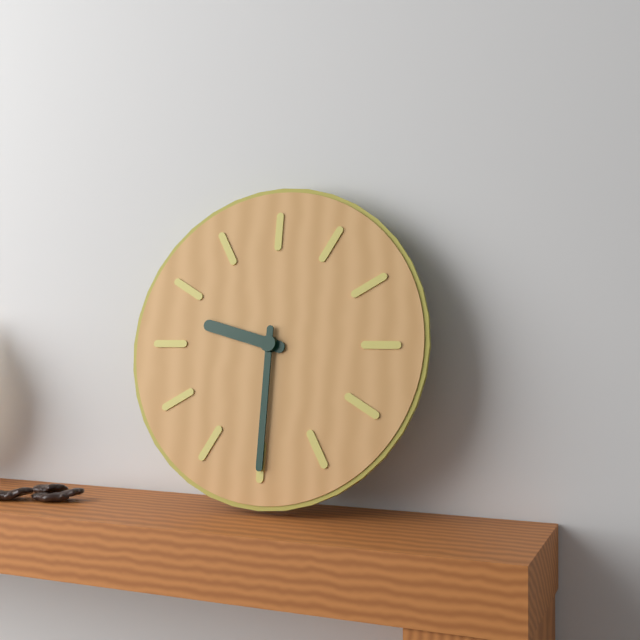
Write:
9,30
